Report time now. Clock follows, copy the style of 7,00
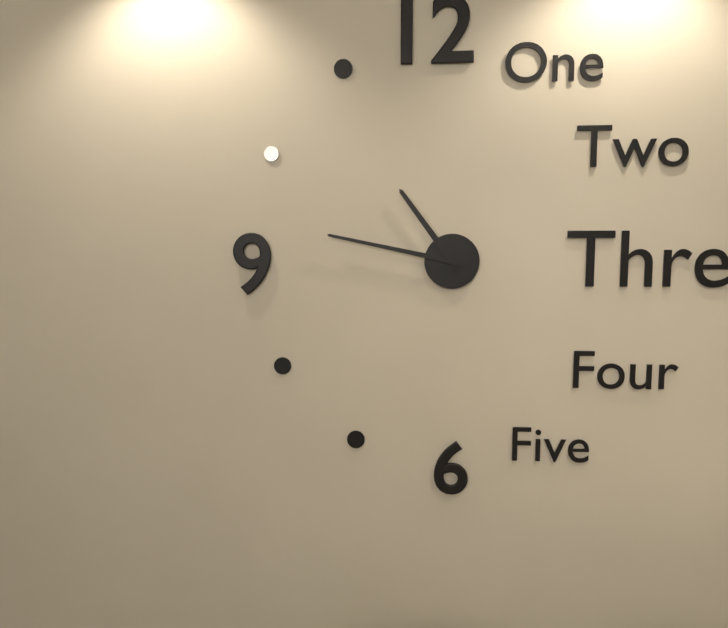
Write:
10,47
